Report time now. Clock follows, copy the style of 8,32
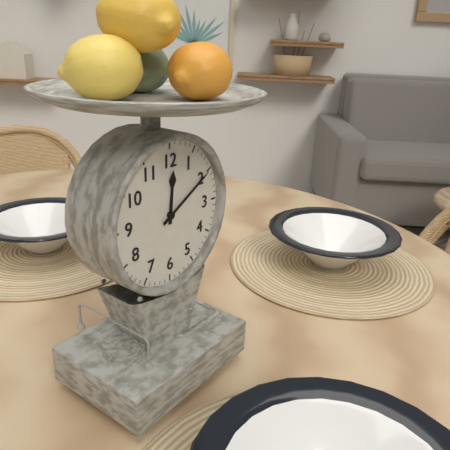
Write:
12,10
